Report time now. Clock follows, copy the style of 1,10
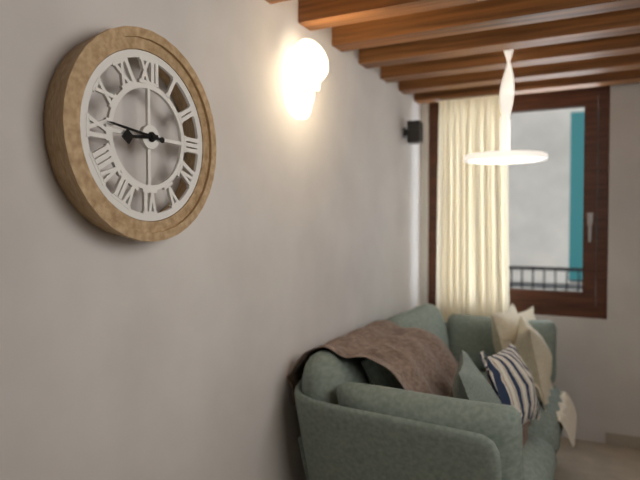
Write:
8,46
